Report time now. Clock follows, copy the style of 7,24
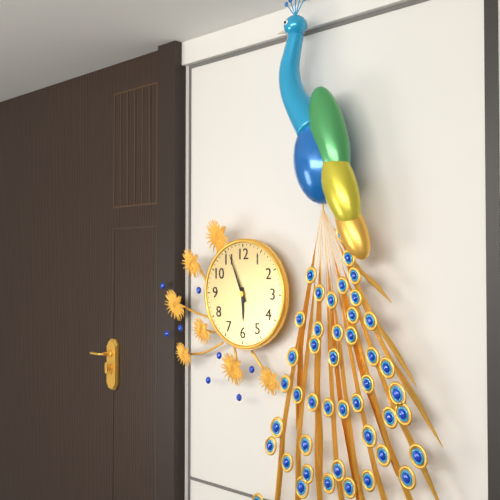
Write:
5,56
